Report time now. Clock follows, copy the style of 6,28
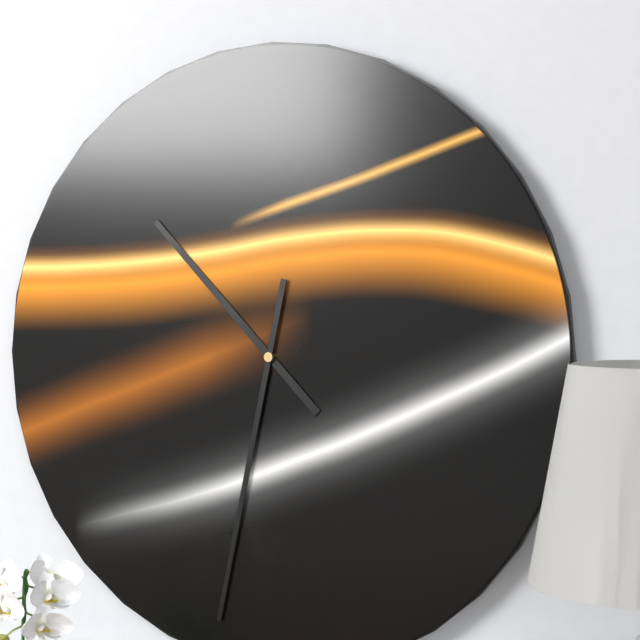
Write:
10,32
